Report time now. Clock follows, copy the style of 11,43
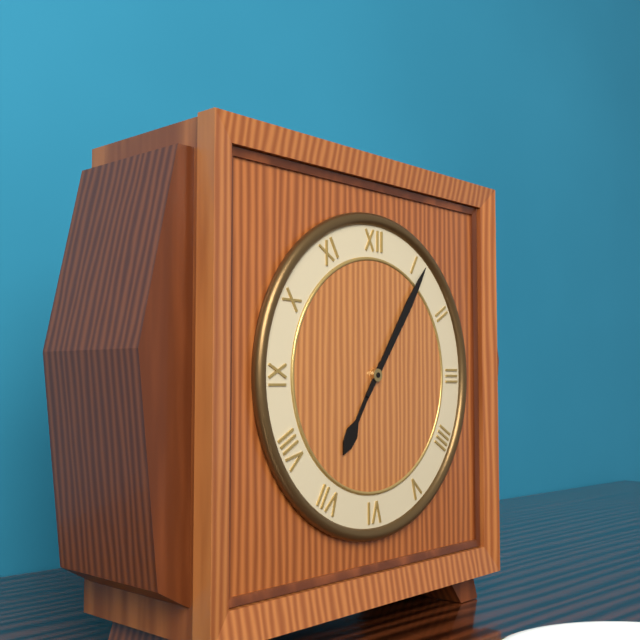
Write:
7,06
